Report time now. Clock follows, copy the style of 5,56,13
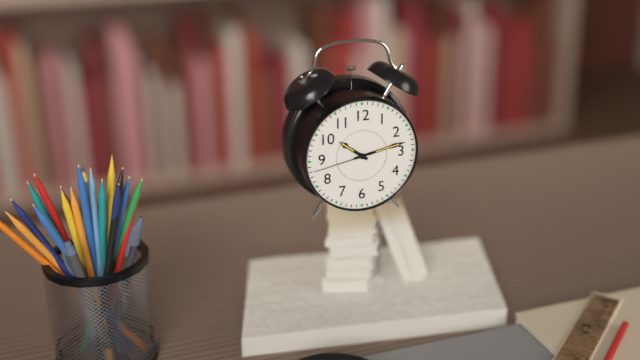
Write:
10,13,43
